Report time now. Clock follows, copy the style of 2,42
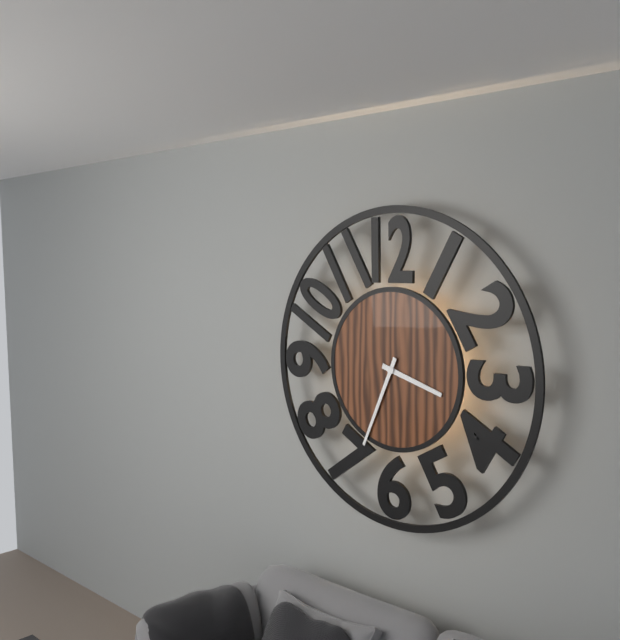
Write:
3,34
